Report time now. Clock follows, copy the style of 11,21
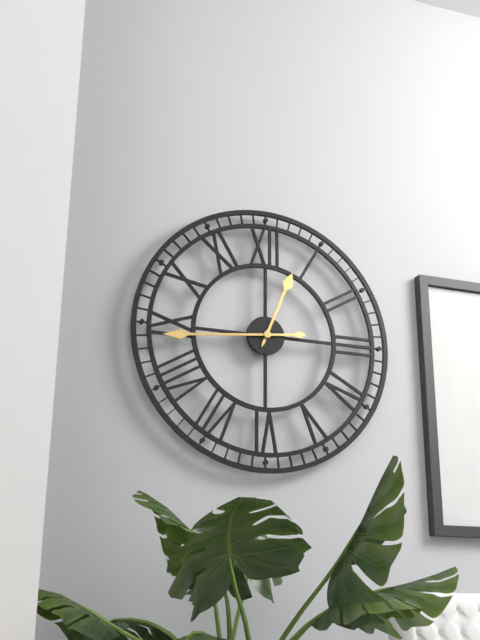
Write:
12,44
